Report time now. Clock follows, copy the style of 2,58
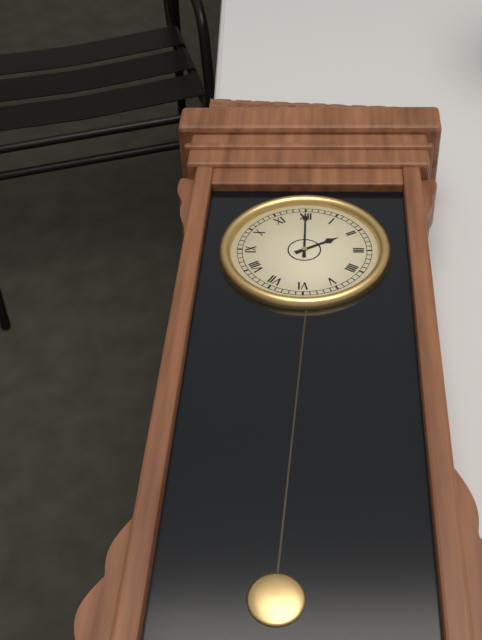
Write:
2,00
